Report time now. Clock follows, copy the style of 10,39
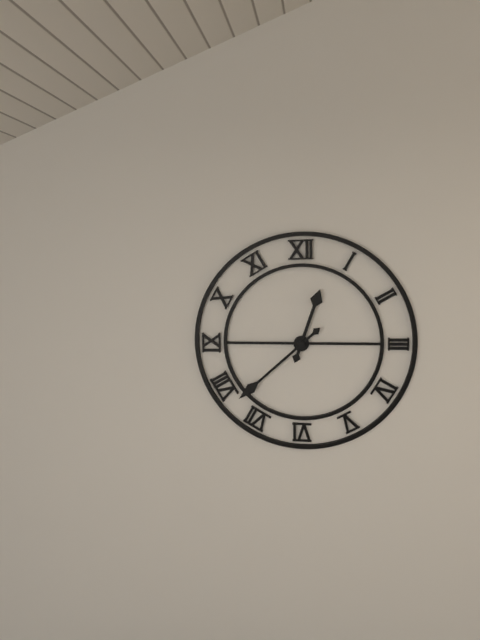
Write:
12,38
